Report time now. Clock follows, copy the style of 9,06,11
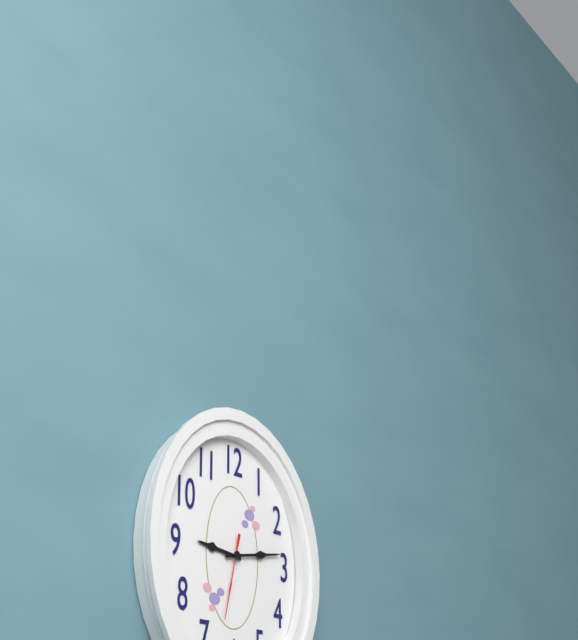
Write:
9,13,32
